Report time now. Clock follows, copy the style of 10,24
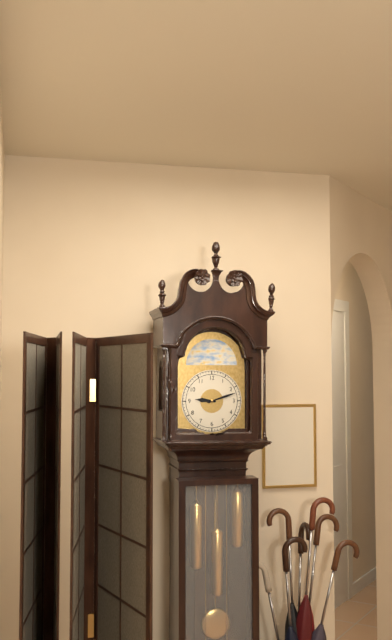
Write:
9,12
